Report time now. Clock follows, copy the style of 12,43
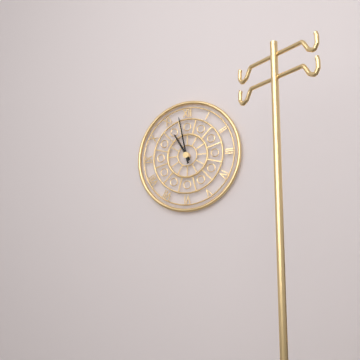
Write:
10,58
